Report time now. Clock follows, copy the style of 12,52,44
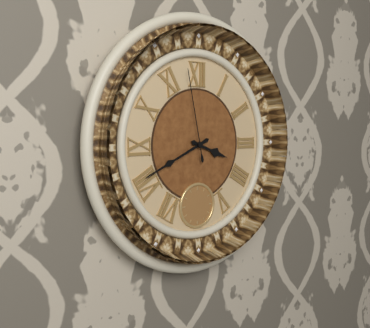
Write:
3,41,58
